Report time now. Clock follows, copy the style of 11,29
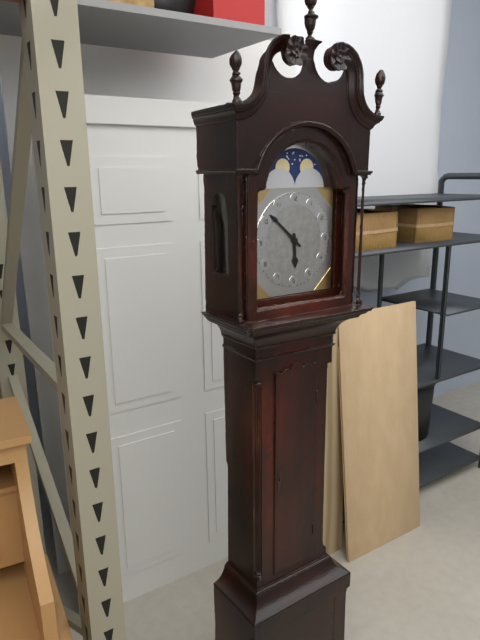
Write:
5,52
